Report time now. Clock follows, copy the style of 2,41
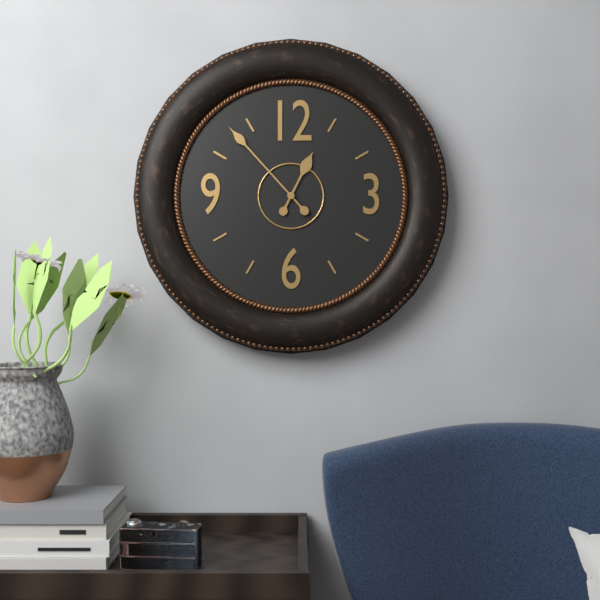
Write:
12,53
